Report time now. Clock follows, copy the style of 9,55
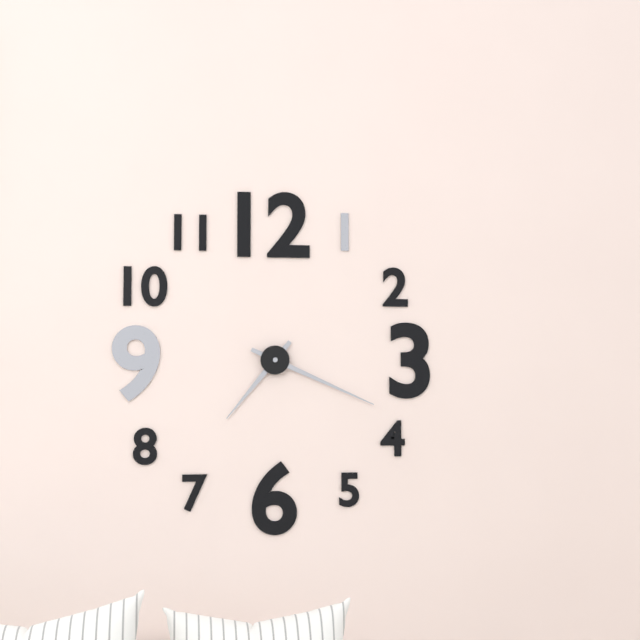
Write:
7,19
